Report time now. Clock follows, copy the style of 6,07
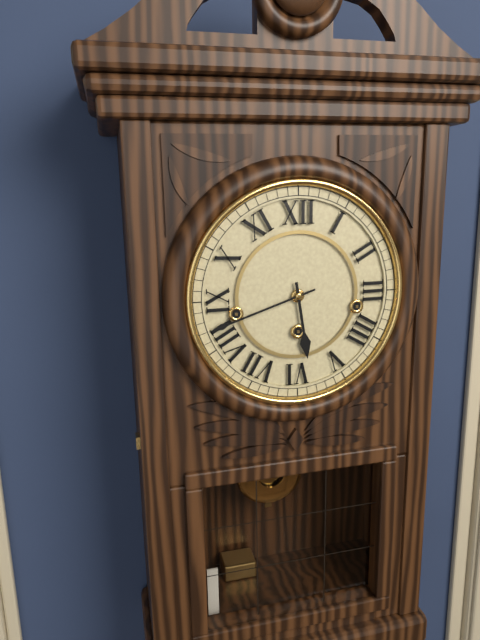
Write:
5,42
